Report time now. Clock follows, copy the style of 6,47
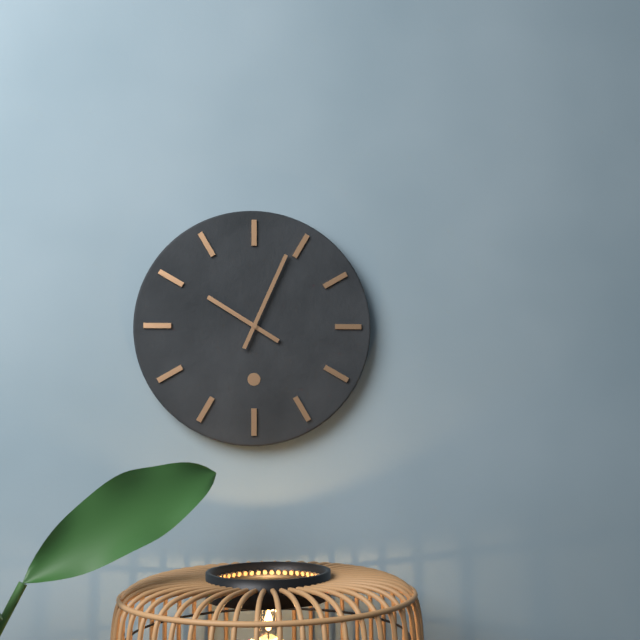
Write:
10,04
